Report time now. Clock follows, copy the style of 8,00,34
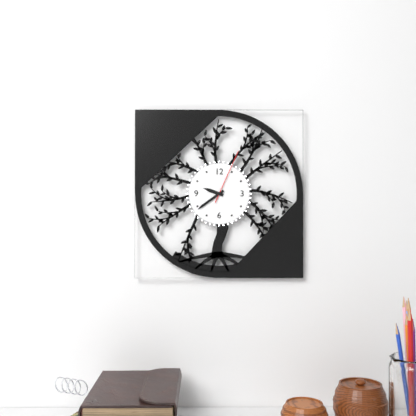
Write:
9,39,04
